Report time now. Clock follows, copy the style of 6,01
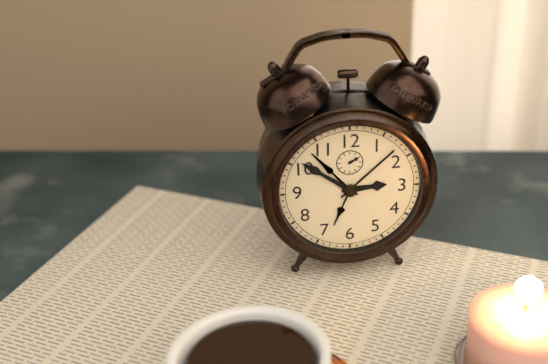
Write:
2,51
